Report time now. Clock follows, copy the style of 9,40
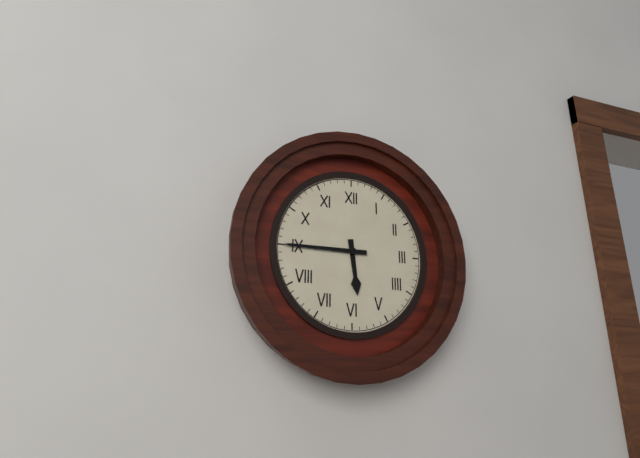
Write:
5,45
